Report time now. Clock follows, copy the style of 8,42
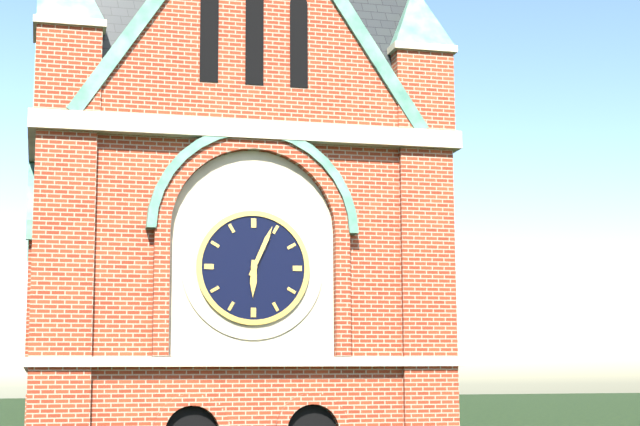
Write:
6,04
